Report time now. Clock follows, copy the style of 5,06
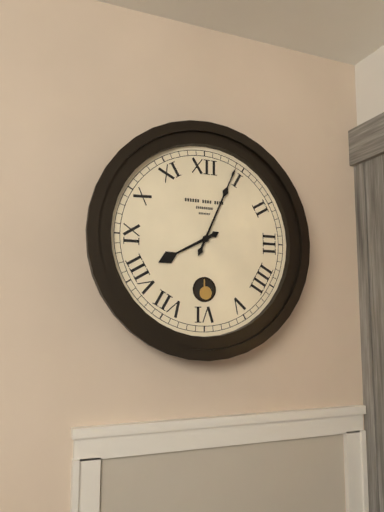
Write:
8,04
